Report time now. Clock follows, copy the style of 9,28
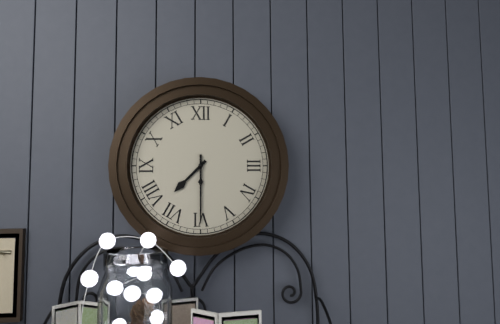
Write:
7,30
